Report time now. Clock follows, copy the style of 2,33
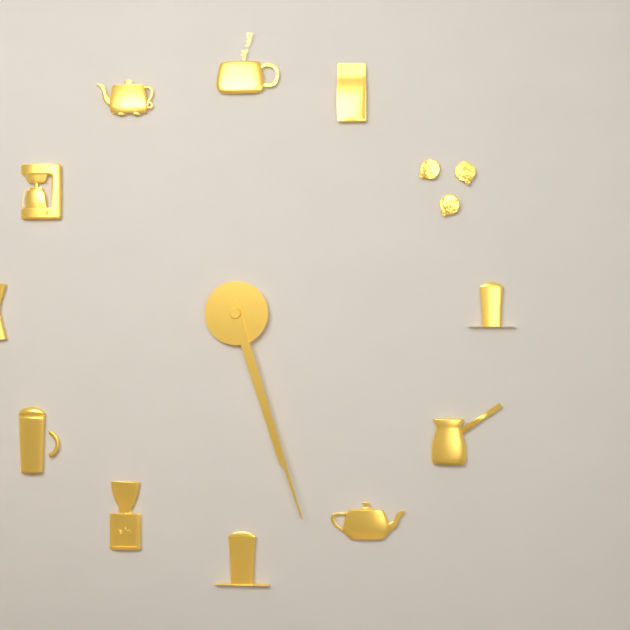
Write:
5,27
